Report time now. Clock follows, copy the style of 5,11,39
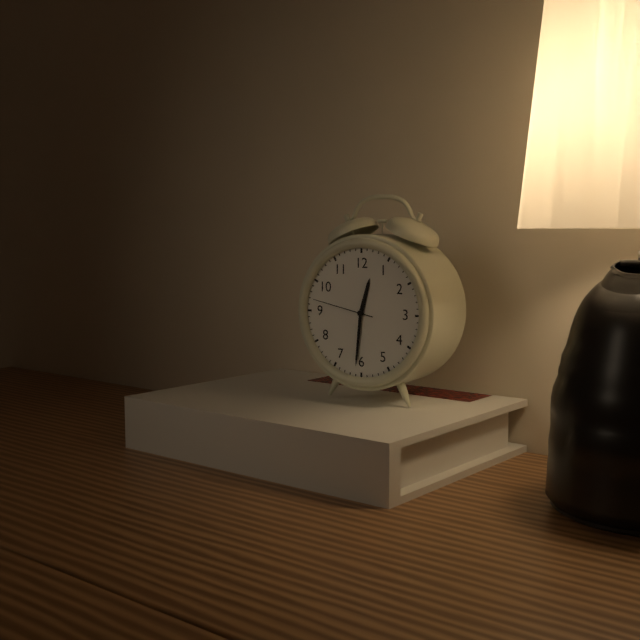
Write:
12,31,47
